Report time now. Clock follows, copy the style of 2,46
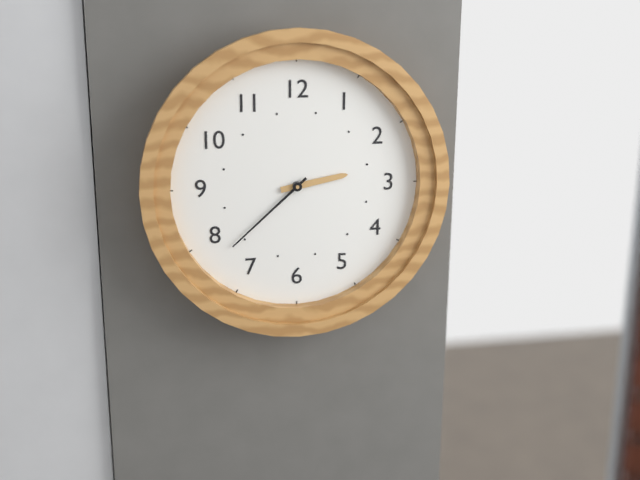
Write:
2,38
